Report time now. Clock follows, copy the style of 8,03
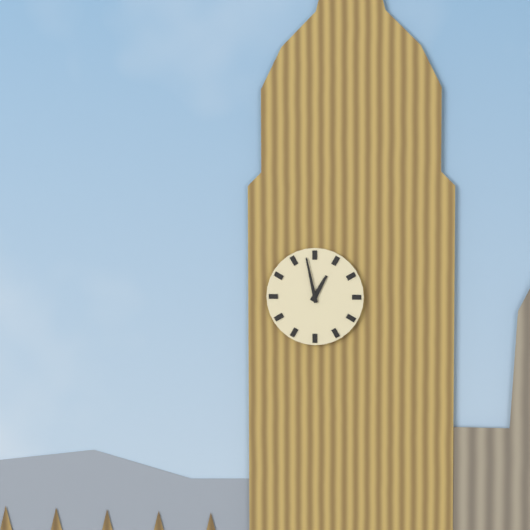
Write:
12,58
